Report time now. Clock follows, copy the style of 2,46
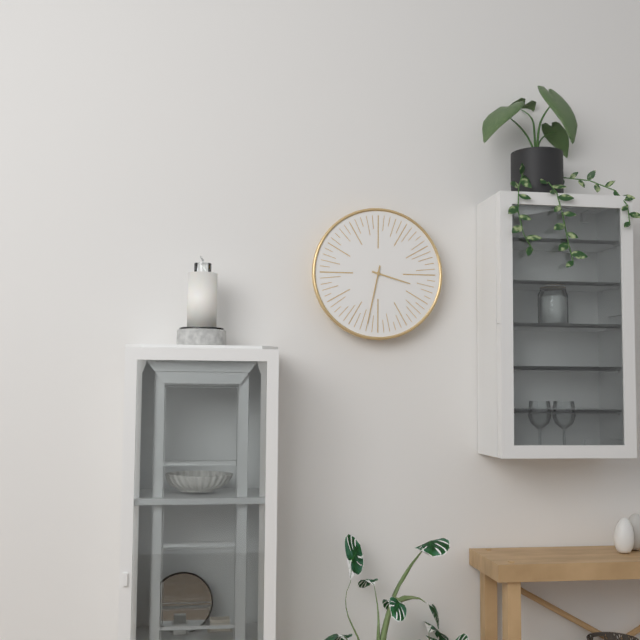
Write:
3,32
